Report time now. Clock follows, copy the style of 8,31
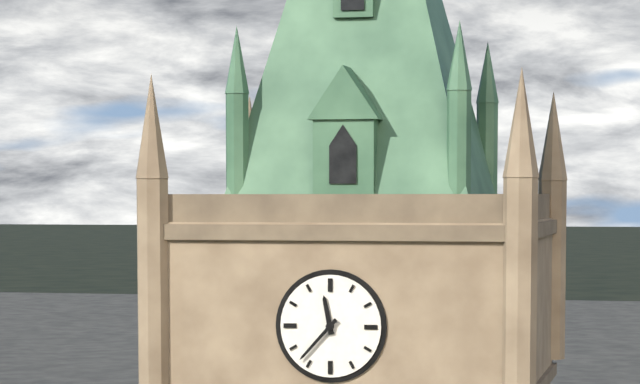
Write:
11,37
